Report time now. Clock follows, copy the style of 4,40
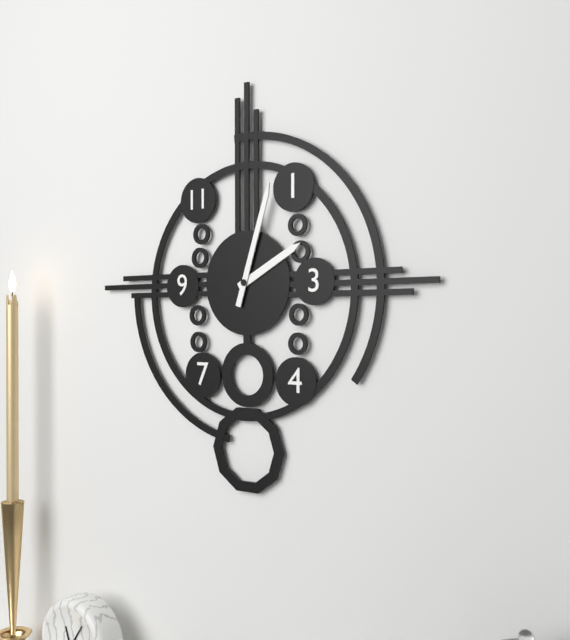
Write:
2,03
